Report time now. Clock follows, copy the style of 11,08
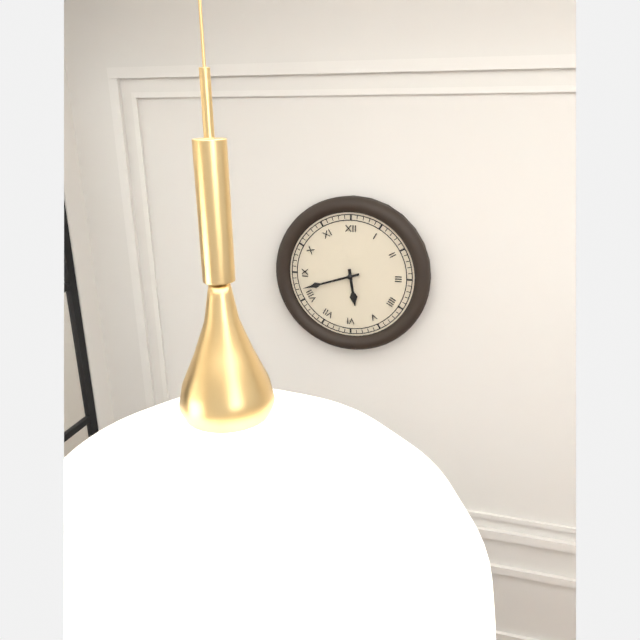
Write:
5,42
